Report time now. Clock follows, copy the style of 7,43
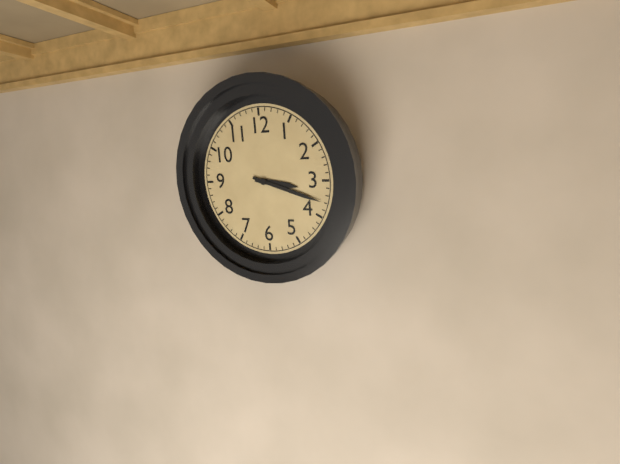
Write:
3,18
